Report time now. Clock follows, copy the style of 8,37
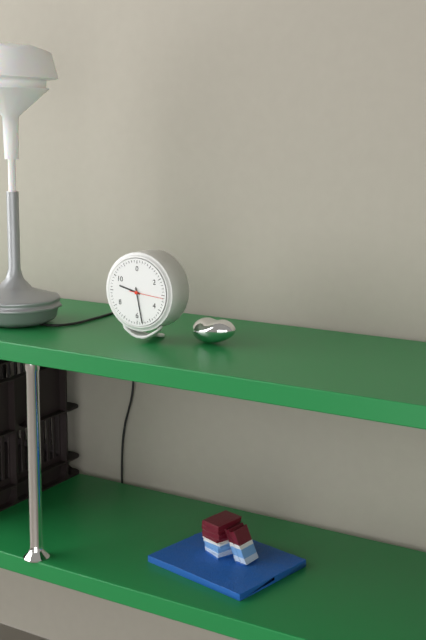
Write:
9,28
